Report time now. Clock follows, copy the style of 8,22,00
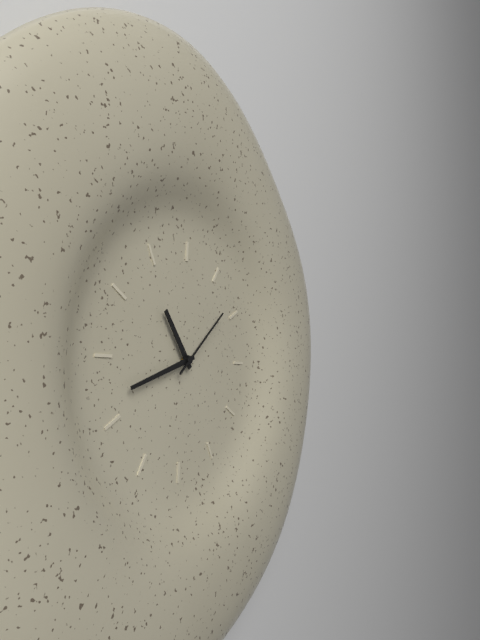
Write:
10,42,08
